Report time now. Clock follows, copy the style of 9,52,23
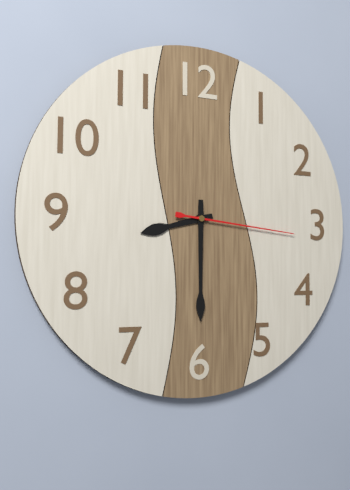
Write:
8,30,16
